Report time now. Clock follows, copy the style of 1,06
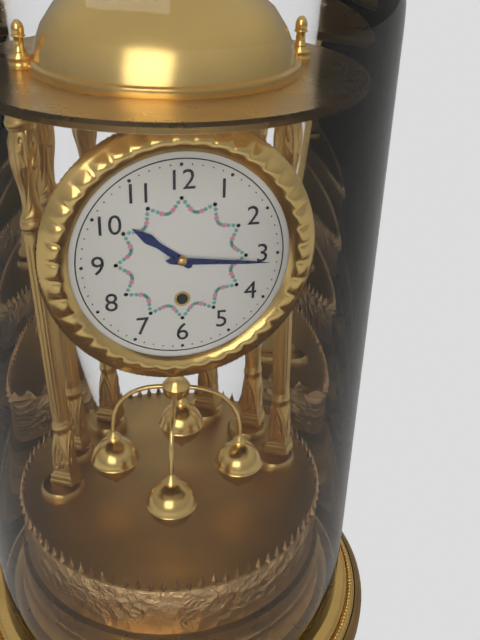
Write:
10,16
